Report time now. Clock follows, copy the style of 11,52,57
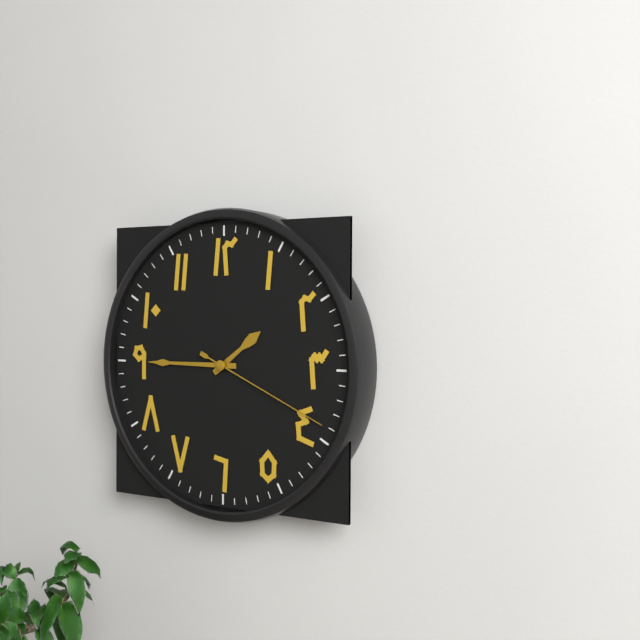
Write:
1,45,19
